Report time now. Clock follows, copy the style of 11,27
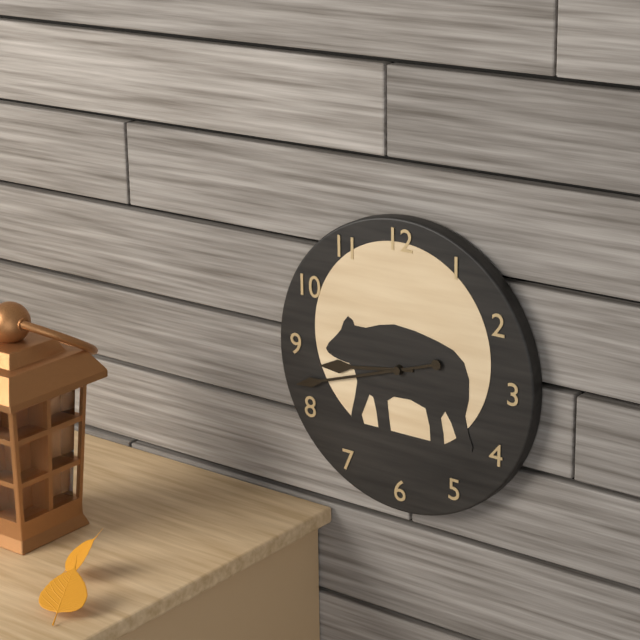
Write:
8,42
